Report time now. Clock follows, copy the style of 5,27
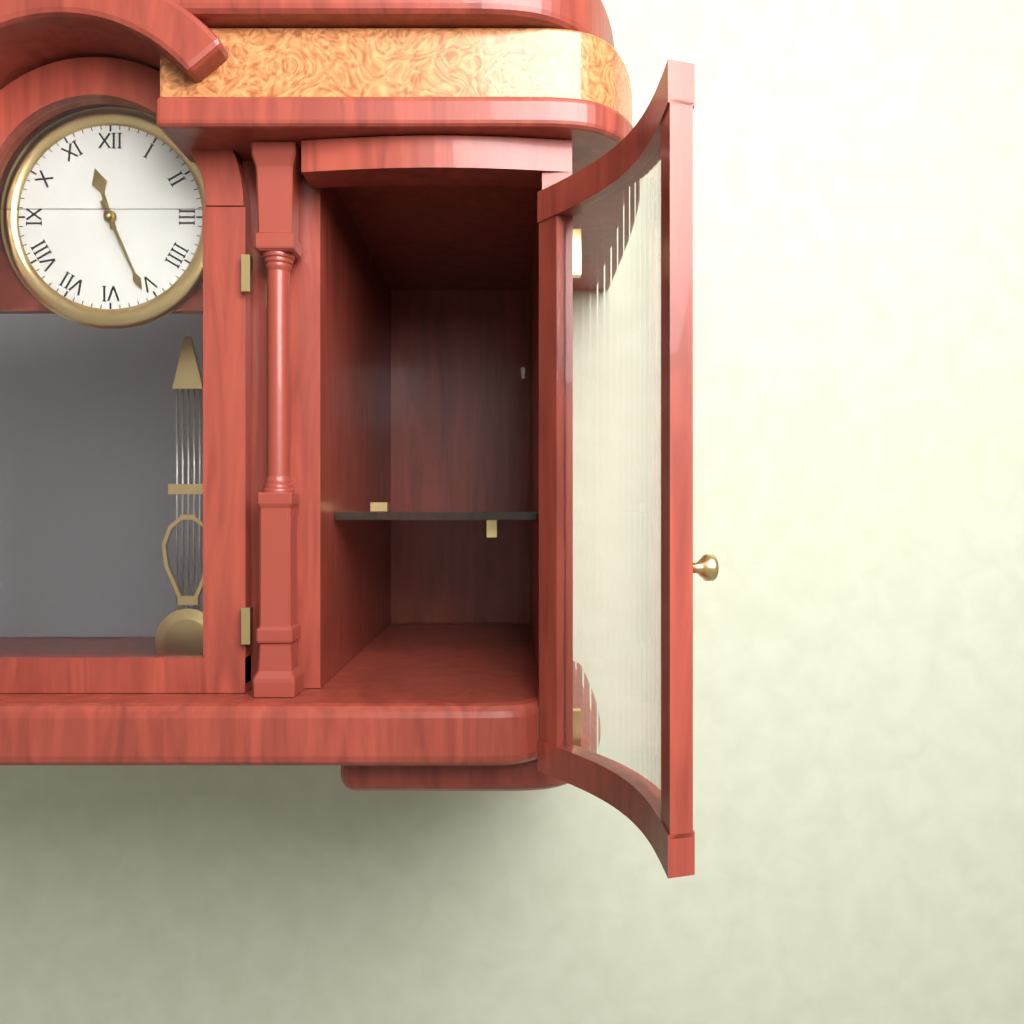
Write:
11,26
